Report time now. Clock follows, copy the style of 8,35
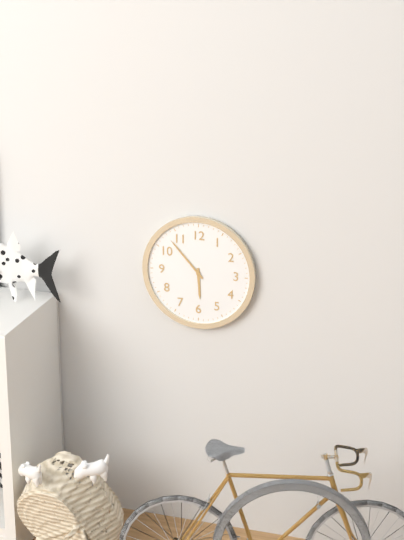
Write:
5,53
